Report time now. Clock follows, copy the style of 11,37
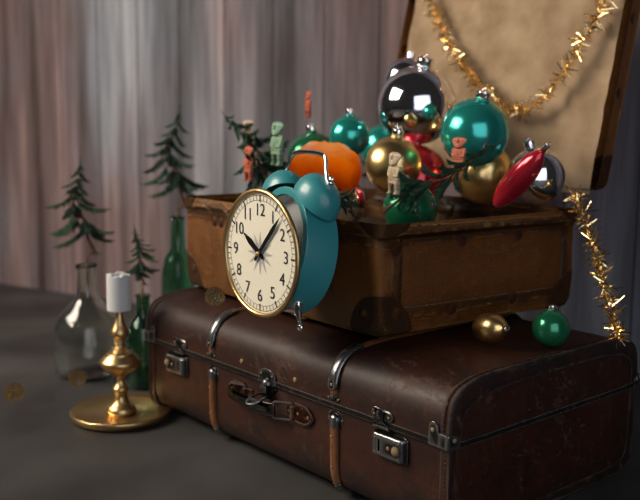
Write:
10,07
